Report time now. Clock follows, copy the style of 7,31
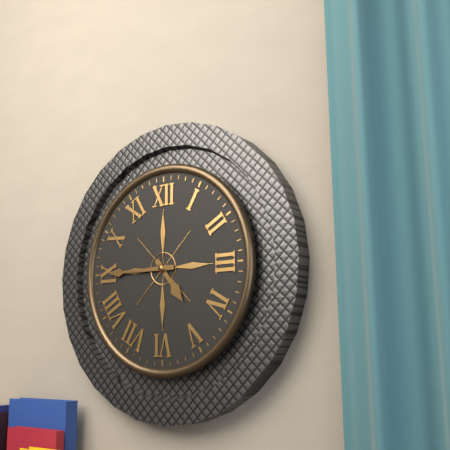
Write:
4,45
